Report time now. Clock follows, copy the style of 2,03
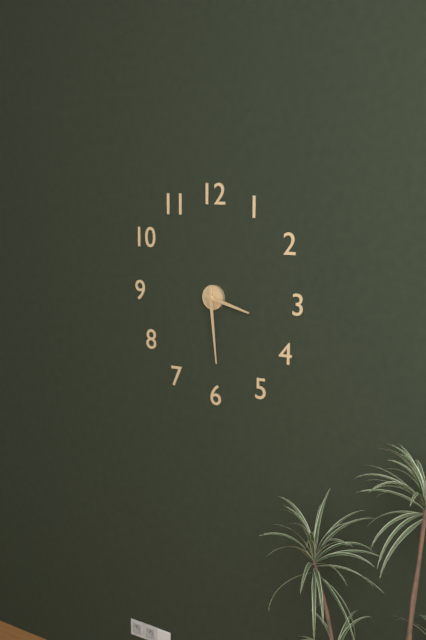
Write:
3,29
